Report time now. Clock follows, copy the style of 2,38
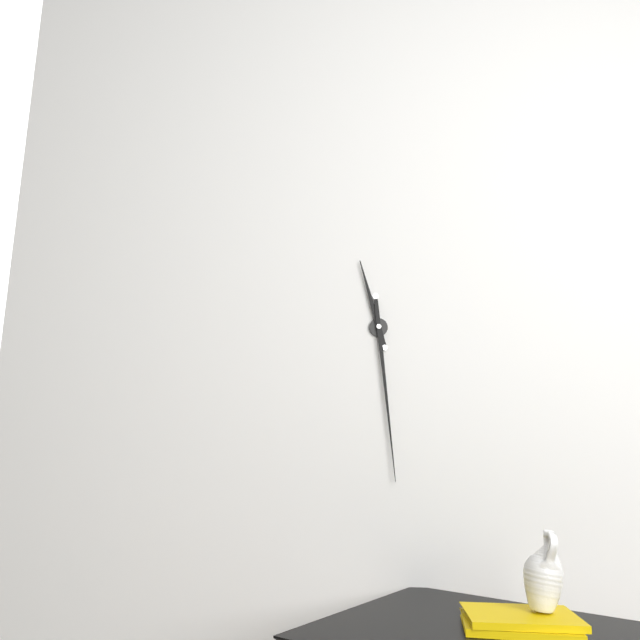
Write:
11,29
